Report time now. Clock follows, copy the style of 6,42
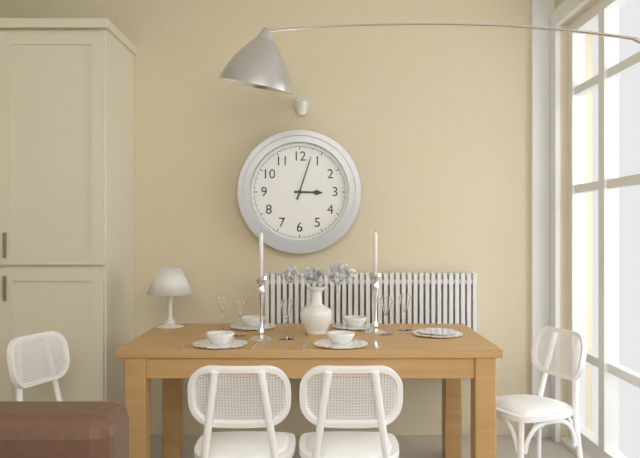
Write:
3,03
